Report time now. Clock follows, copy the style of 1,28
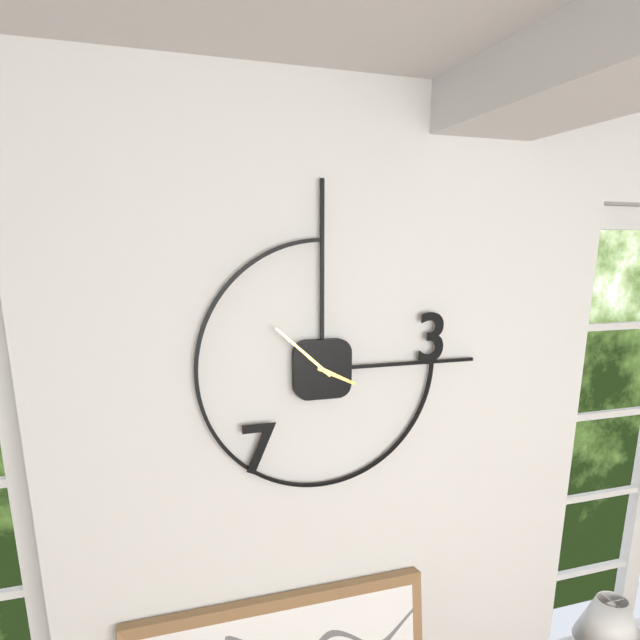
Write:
3,52
